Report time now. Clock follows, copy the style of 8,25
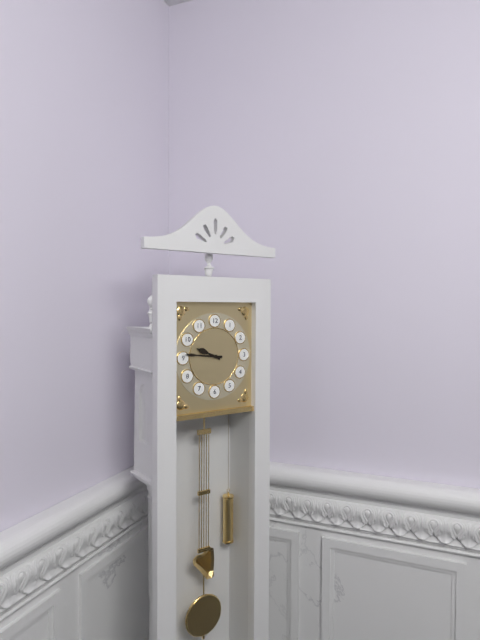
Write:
9,46
